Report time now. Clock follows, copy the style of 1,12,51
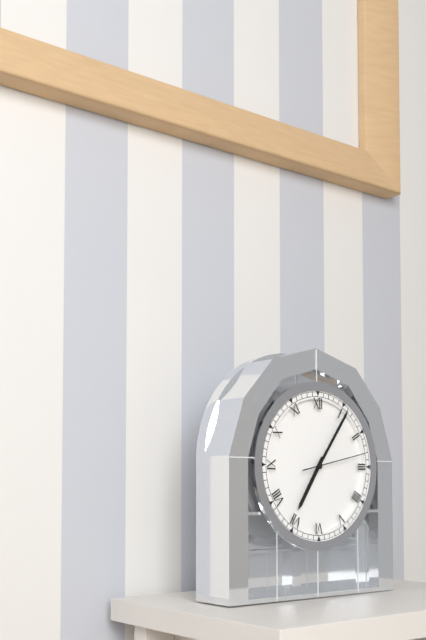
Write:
7,06,13
